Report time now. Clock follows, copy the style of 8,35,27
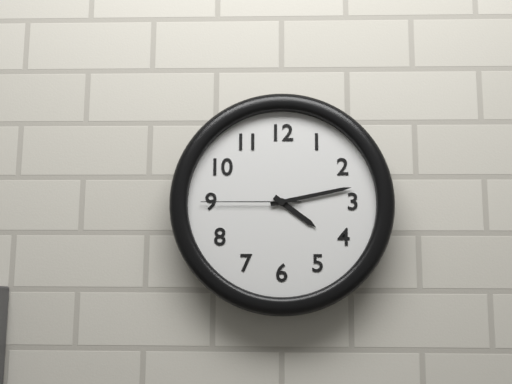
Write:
4,13,45
